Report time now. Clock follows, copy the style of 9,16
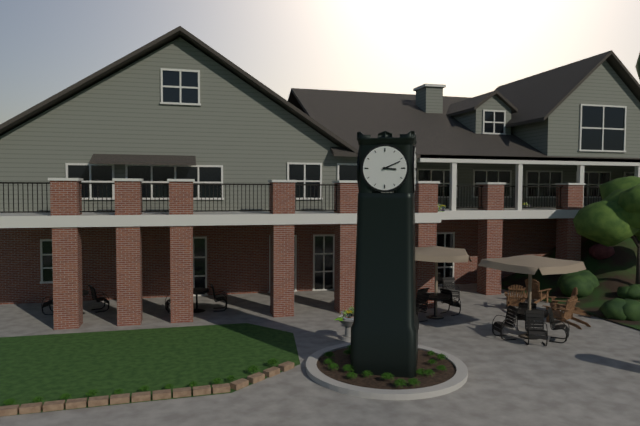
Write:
3,11
